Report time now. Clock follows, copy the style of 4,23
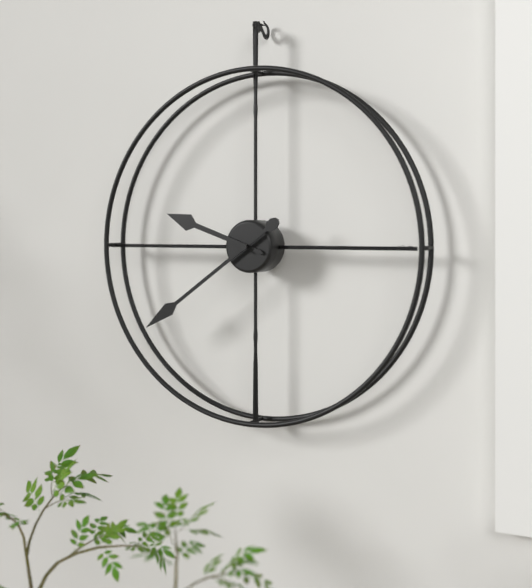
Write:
9,39
